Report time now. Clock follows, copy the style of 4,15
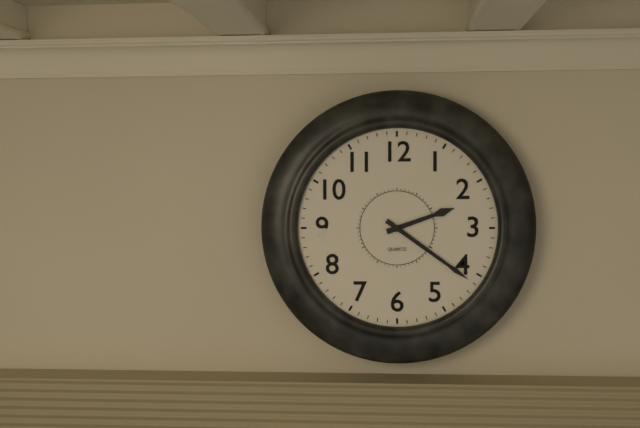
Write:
2,21
